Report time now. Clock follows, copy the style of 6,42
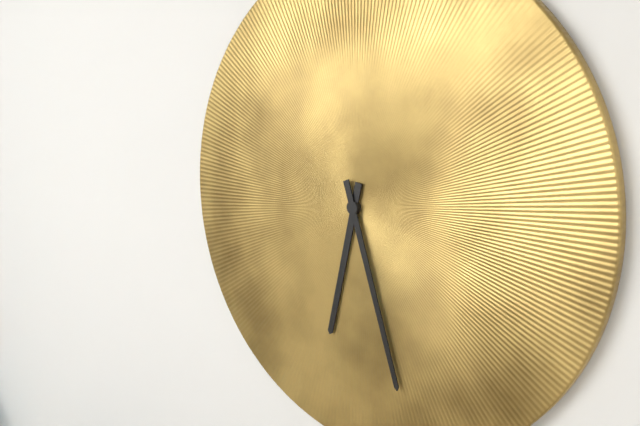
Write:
6,27
